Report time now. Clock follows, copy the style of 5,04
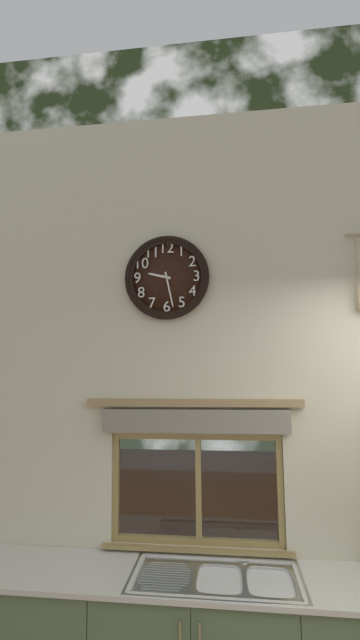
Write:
9,28
